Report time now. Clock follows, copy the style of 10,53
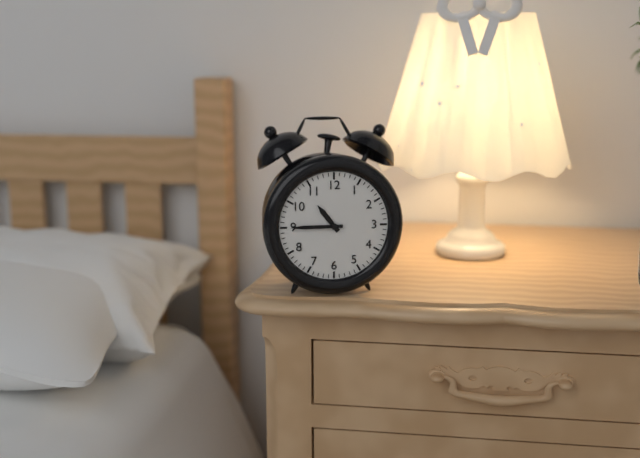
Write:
10,45
